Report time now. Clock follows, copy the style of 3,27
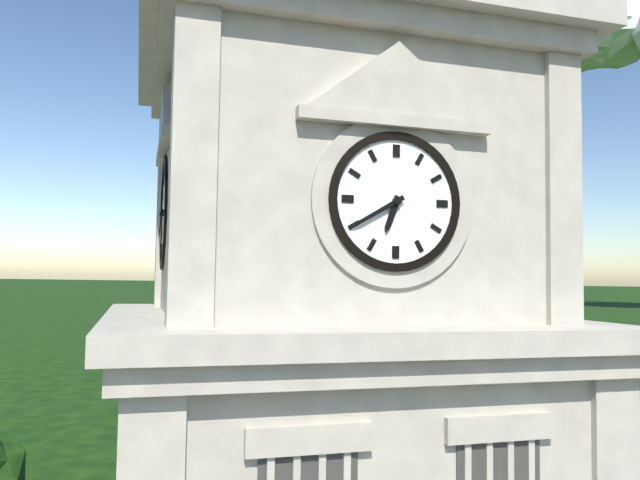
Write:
6,40
